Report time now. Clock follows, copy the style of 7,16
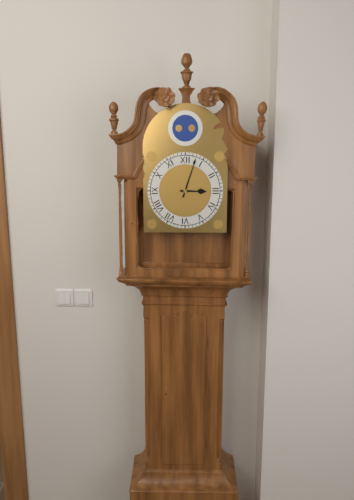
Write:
3,03
